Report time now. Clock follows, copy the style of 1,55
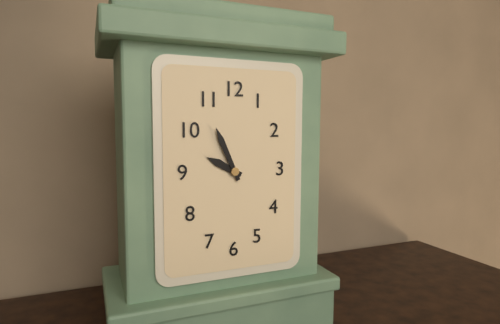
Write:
9,56
